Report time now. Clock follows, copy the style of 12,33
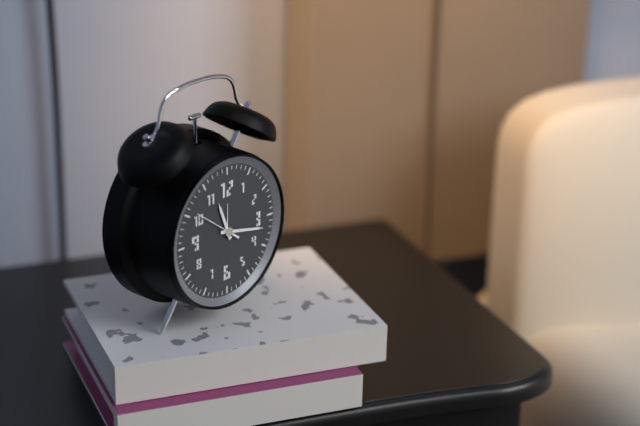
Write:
11,17
